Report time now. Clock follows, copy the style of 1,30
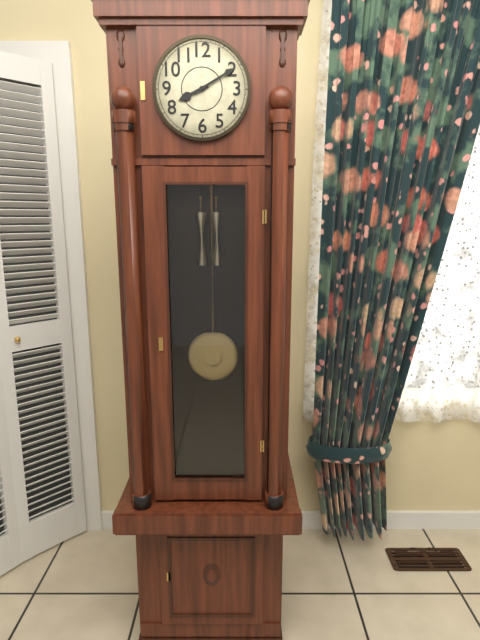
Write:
8,10
